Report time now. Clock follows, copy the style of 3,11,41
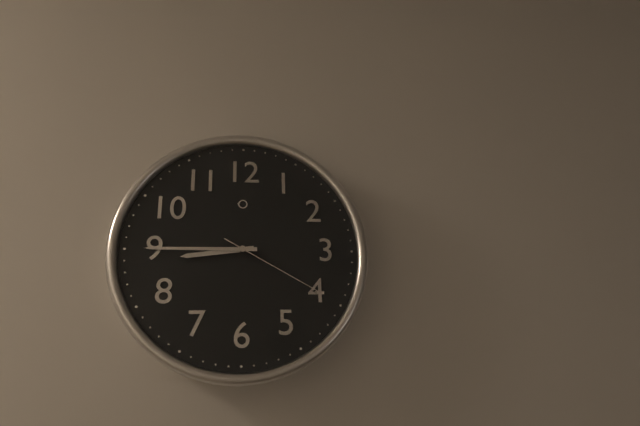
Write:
8,45,20
